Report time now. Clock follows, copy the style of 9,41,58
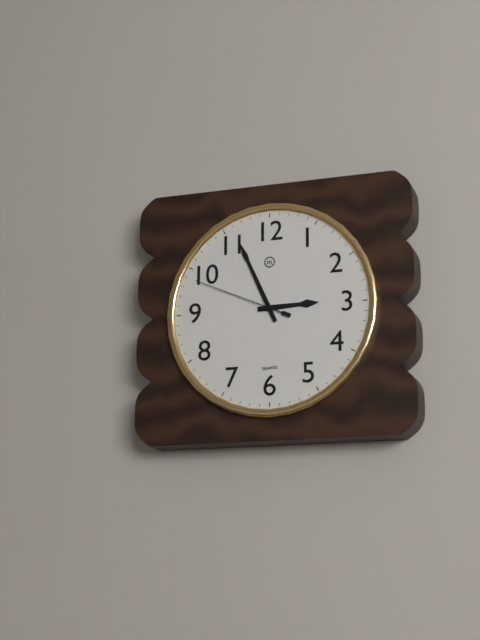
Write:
2,56,49
